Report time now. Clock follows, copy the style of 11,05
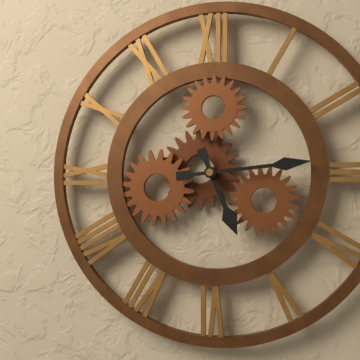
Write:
5,14
